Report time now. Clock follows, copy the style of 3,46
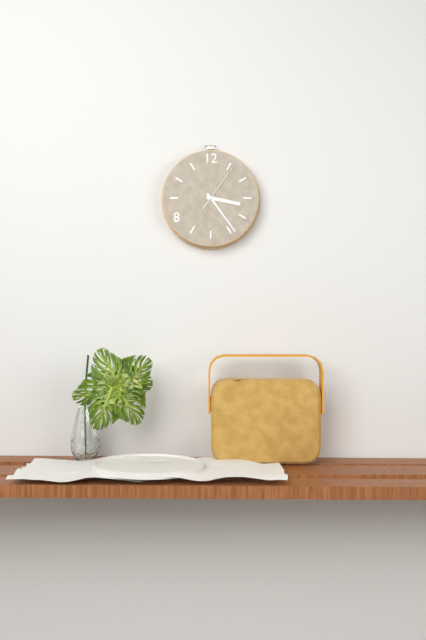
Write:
3,24
